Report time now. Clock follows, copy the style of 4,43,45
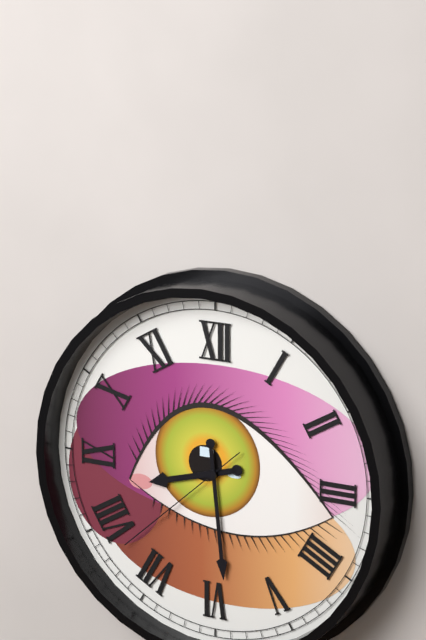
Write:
8,29,38
